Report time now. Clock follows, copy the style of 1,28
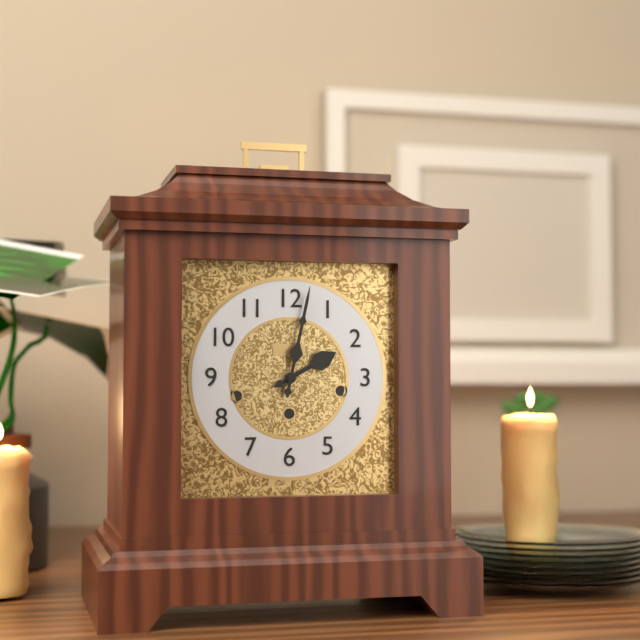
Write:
2,02
